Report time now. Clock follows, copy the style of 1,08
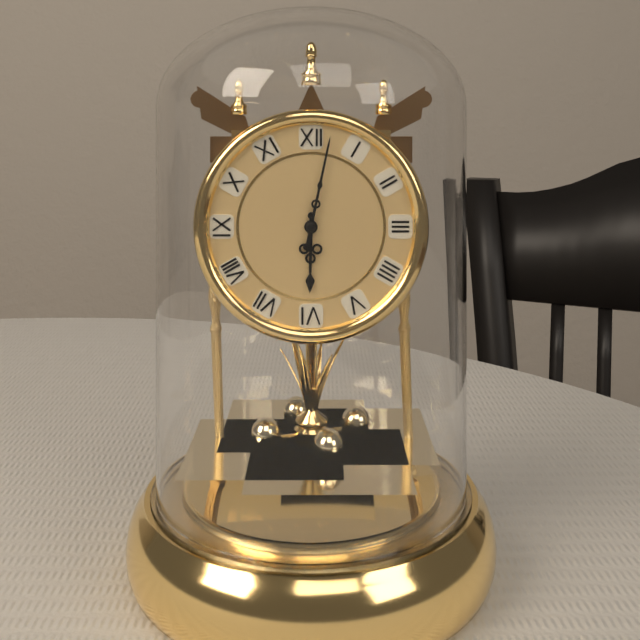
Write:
6,02
